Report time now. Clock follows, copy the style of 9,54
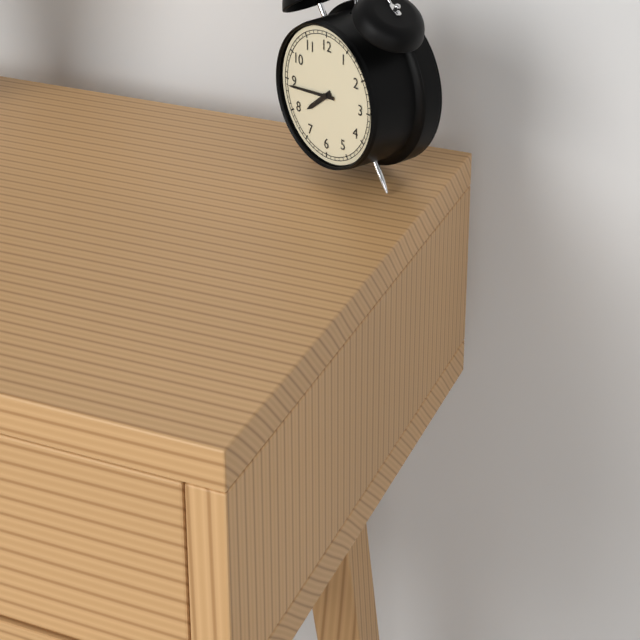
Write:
7,44
